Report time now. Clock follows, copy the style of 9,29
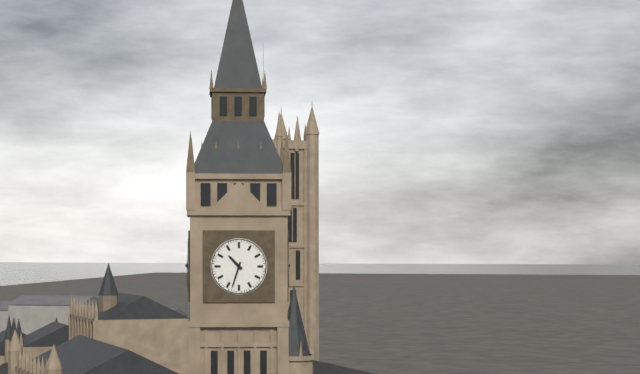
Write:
10,33
